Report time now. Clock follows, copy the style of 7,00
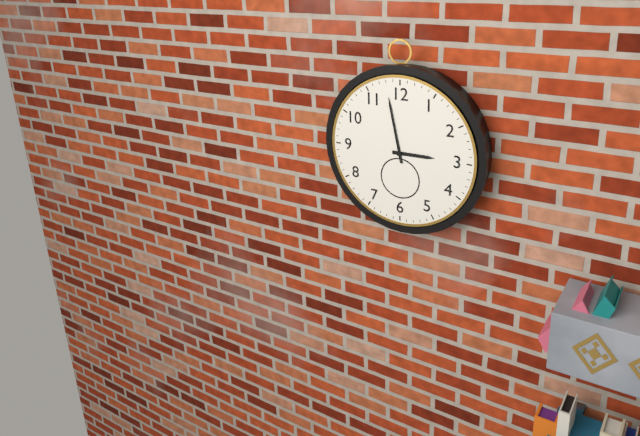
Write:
2,58
